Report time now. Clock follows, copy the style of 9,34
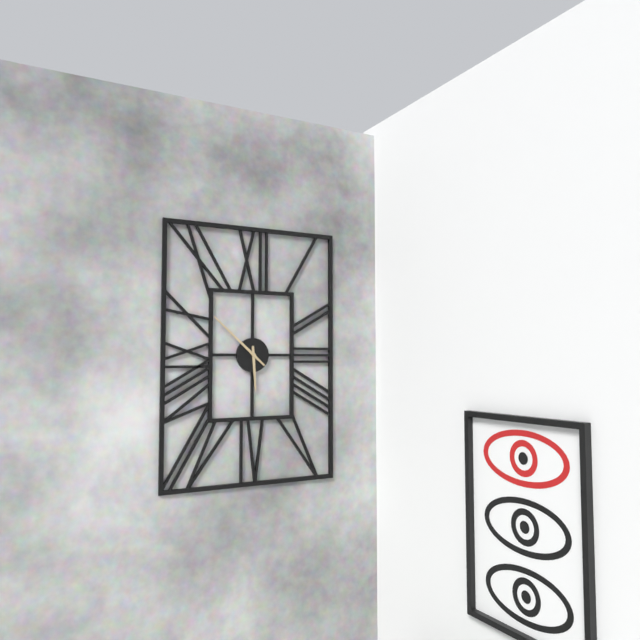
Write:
5,52
